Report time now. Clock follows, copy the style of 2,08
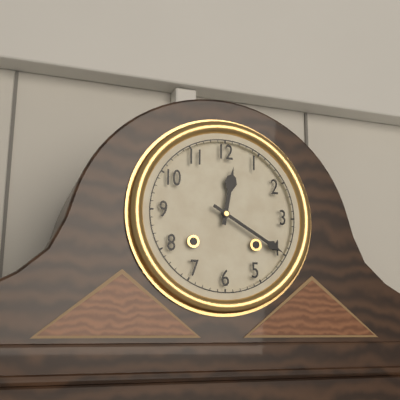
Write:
12,20
